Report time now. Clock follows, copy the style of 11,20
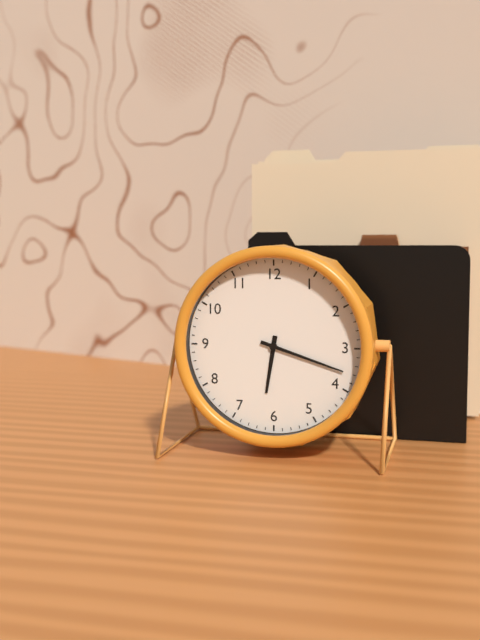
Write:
6,18
